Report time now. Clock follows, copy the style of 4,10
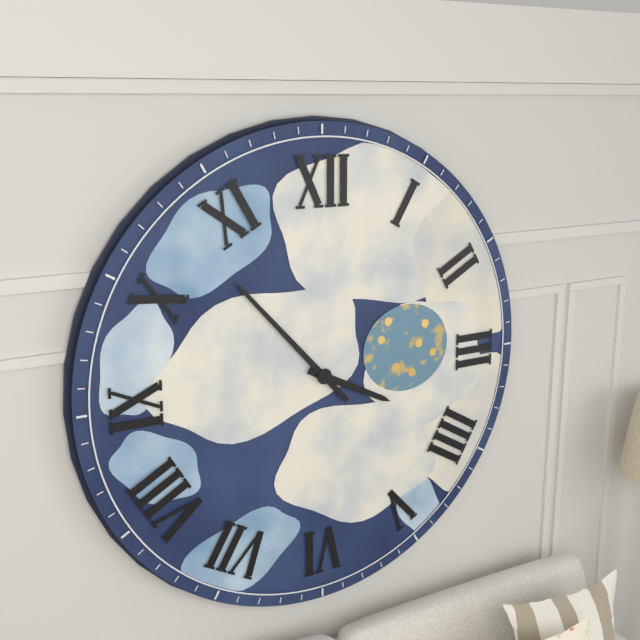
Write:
3,53
